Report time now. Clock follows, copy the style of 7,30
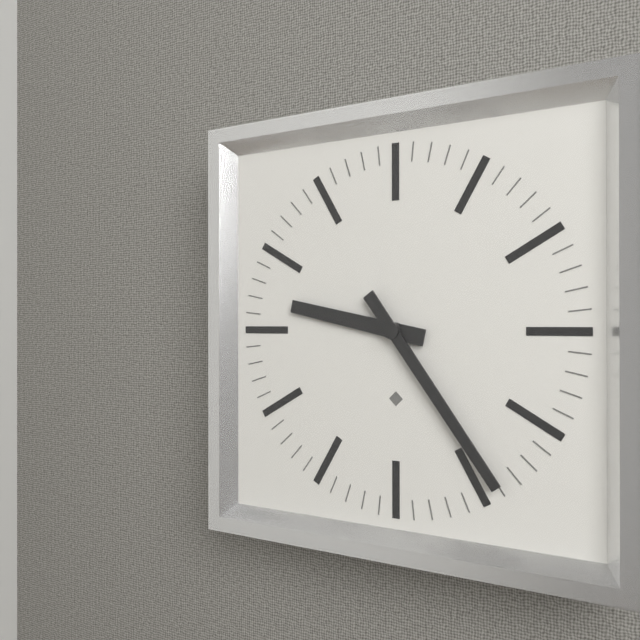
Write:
9,24
